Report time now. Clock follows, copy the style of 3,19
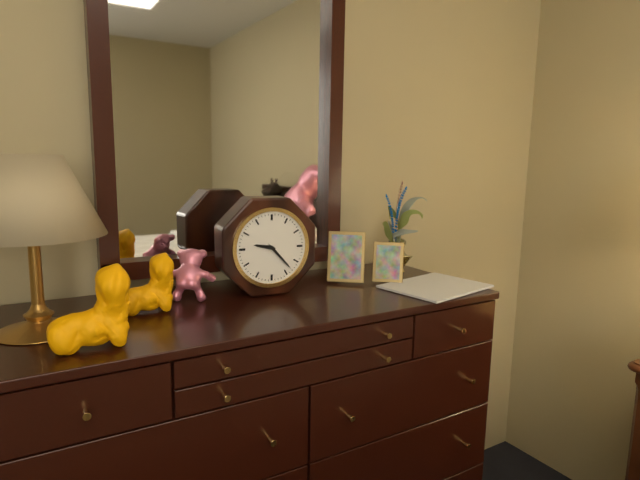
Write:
9,23
